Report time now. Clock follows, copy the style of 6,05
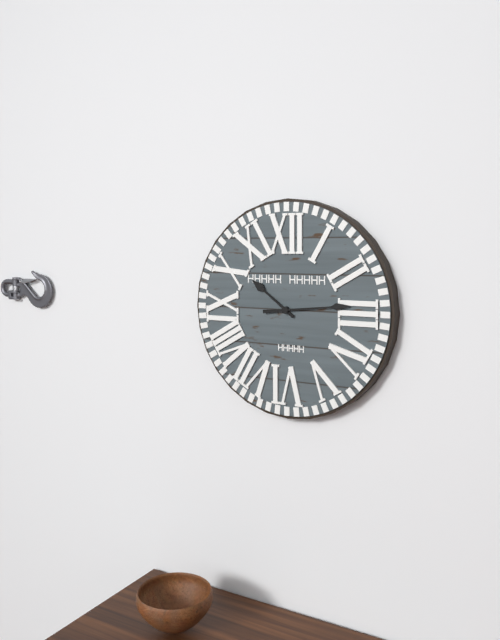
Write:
10,14
